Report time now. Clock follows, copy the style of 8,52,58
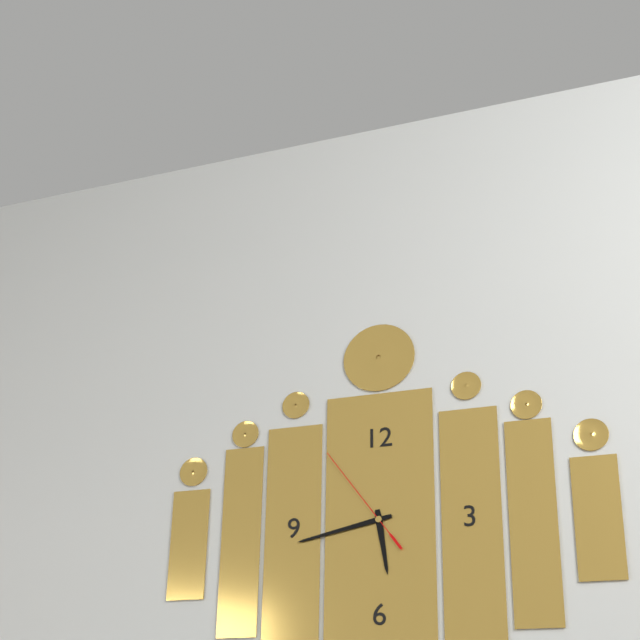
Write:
5,43,54
